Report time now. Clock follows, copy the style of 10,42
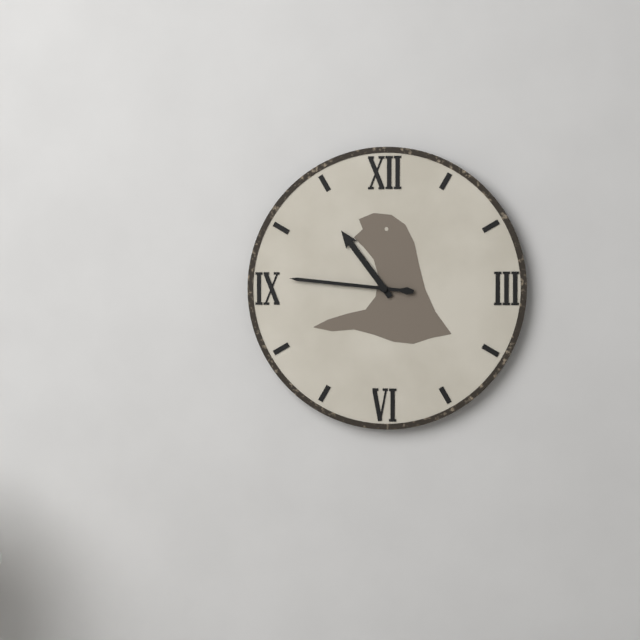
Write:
10,46
